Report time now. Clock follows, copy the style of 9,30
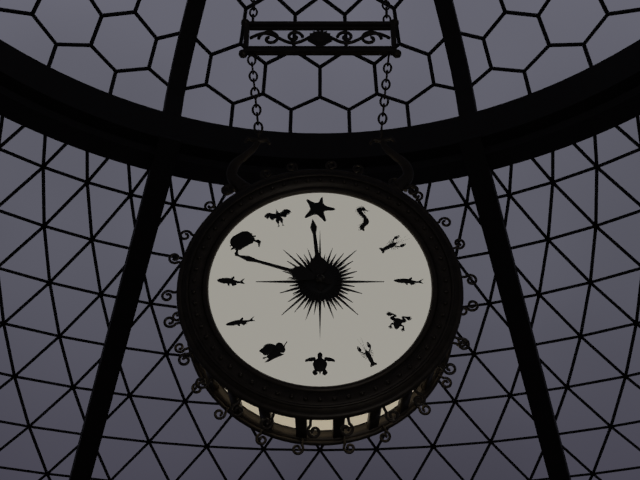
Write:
11,48
